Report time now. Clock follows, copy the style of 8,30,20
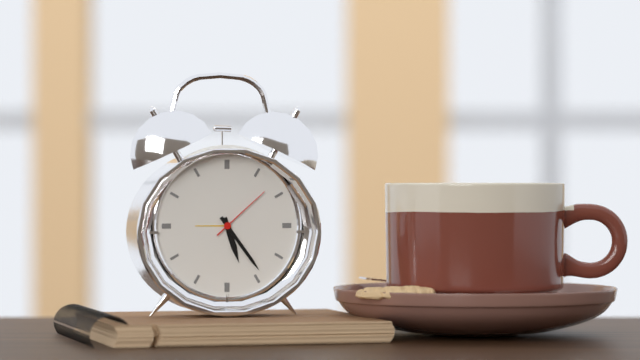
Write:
5,24,08
